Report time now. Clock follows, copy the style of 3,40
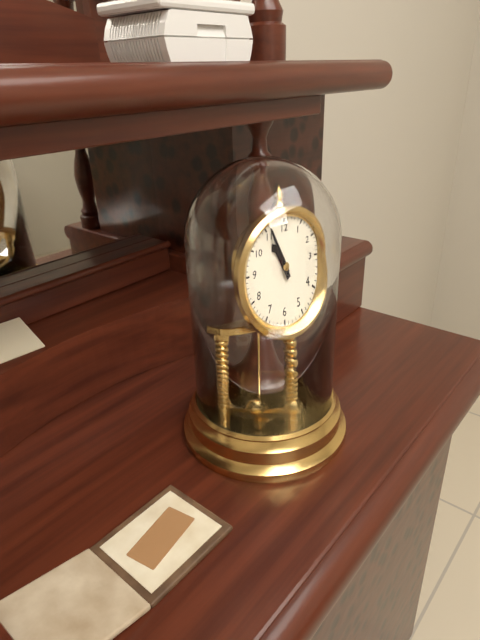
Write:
10,56
